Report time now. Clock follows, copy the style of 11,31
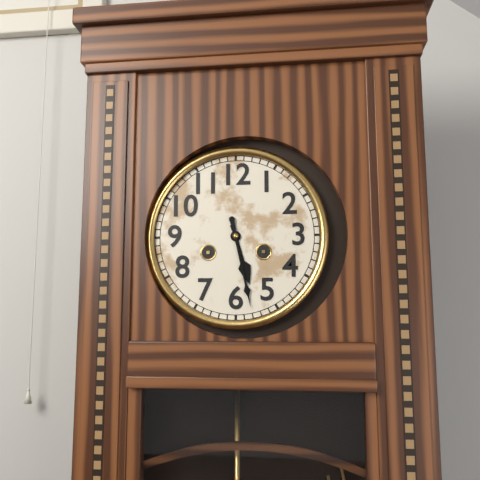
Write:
5,28
